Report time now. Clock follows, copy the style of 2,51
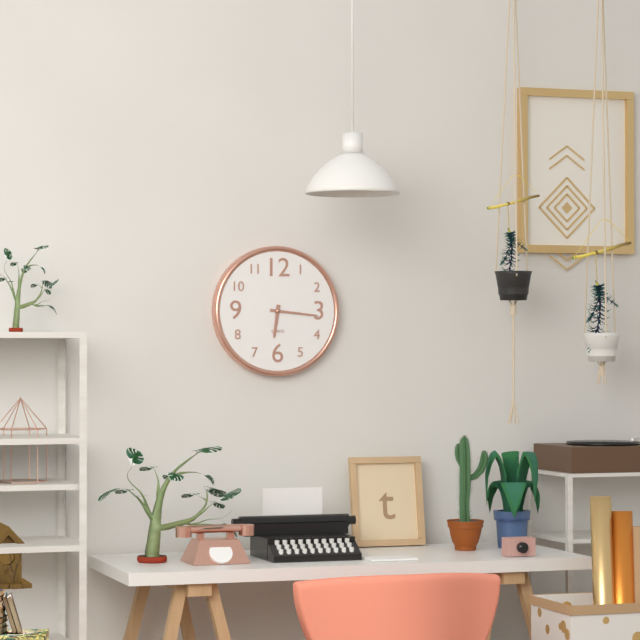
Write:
6,16
